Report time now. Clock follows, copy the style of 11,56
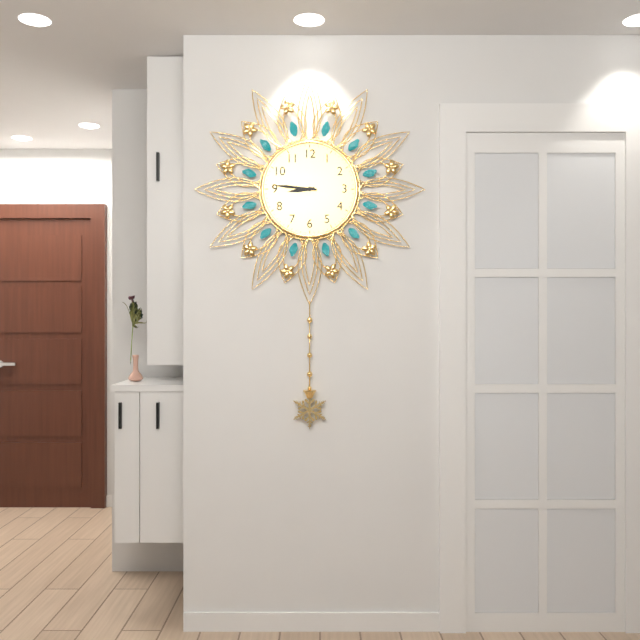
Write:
8,46
